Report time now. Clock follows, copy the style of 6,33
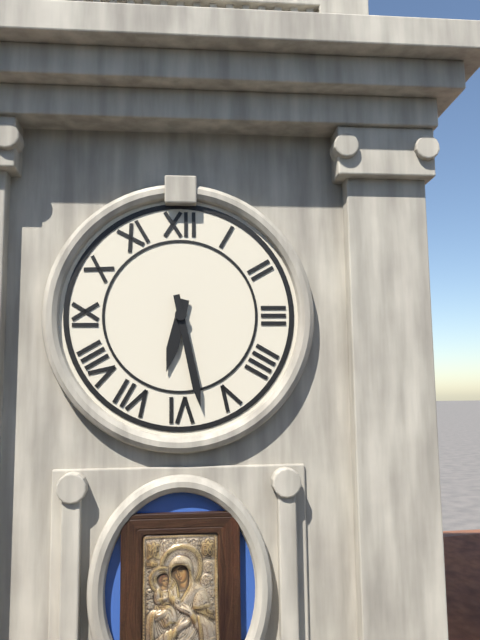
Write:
6,28
